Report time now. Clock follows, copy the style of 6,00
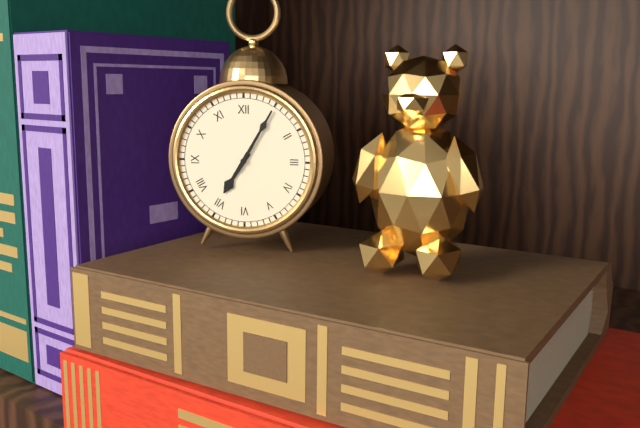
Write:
7,05
